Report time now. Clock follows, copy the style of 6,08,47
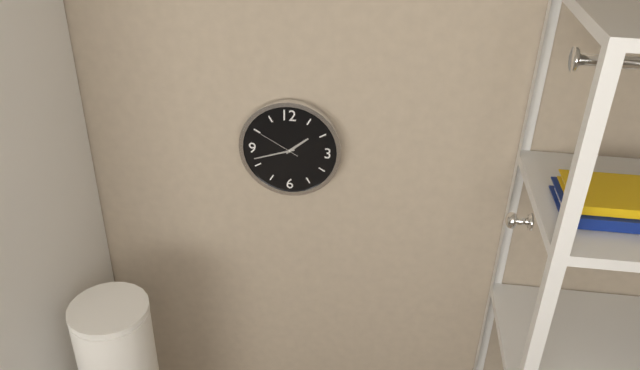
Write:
1,42,50
